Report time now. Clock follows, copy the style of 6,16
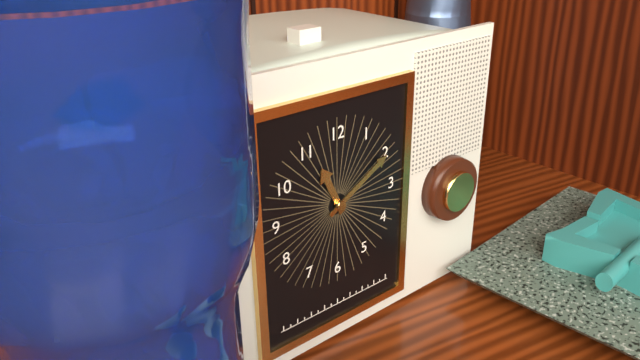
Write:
11,10
